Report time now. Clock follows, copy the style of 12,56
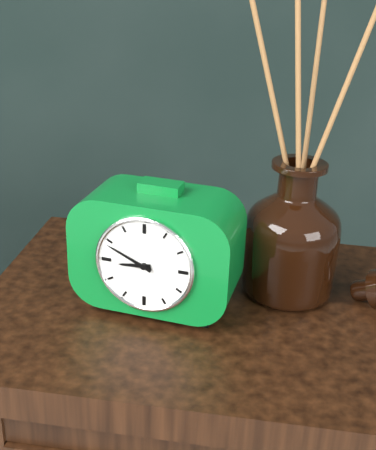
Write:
8,49
